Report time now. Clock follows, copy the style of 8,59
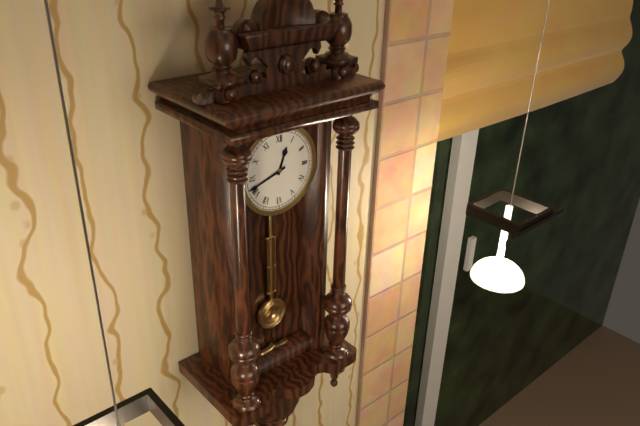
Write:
12,42
